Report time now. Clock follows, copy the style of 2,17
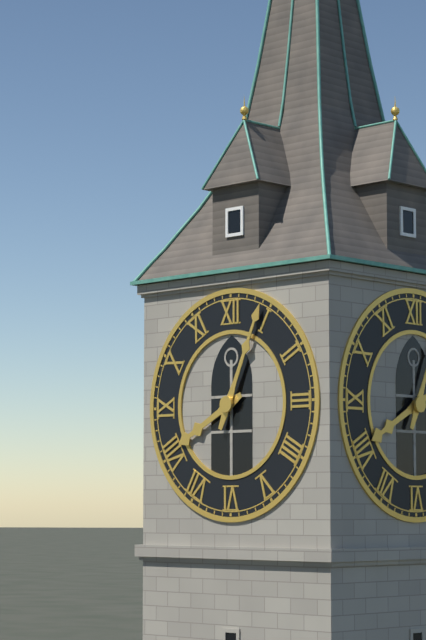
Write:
8,04
